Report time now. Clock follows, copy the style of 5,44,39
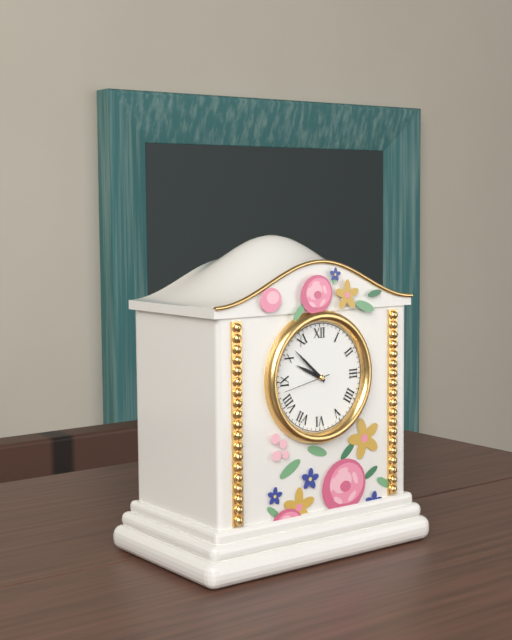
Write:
9,52,43
